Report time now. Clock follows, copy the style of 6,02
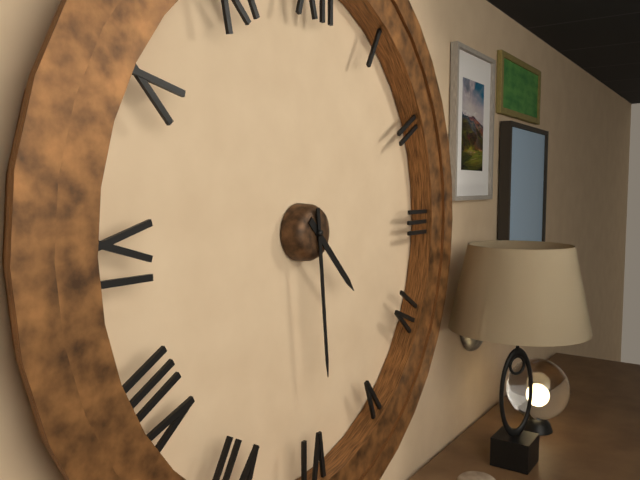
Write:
4,29
